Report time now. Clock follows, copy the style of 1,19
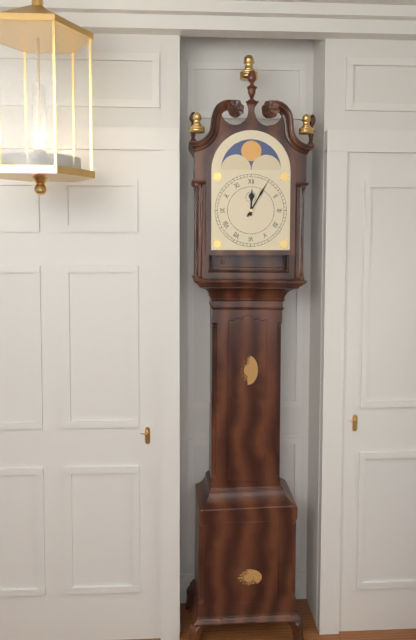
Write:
12,05
